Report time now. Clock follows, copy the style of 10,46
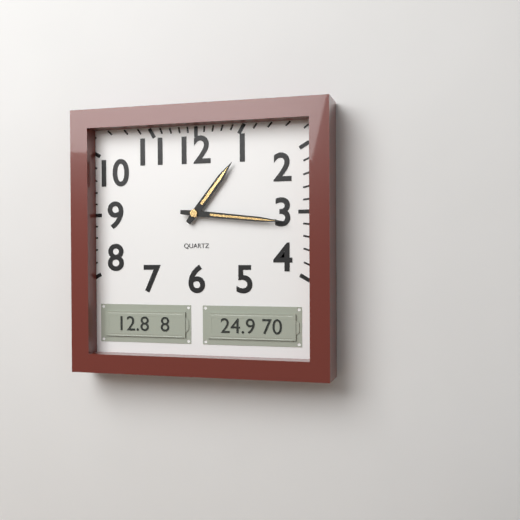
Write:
1,16
